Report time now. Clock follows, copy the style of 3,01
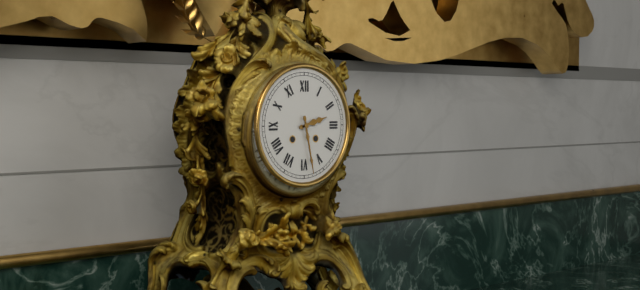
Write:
2,28
